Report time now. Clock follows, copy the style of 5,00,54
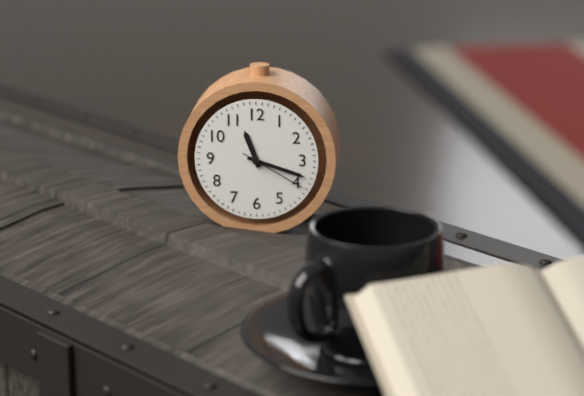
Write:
11,18,20
